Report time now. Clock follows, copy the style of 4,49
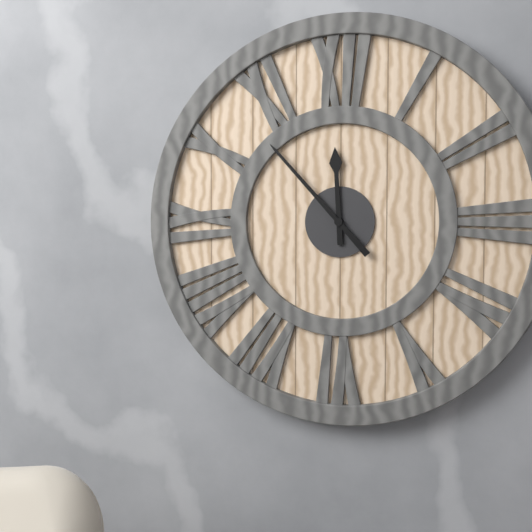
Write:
11,53
